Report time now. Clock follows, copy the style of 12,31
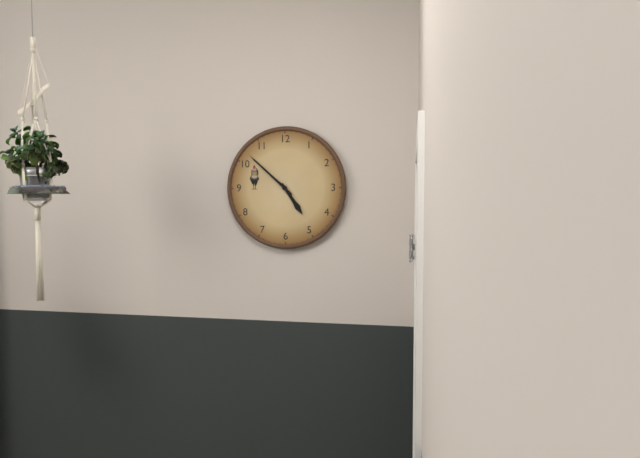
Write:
4,52
